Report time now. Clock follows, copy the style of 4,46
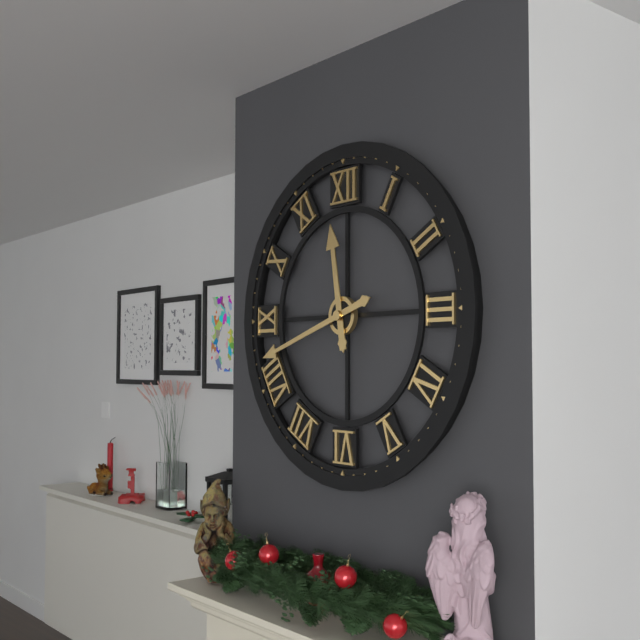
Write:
11,42
